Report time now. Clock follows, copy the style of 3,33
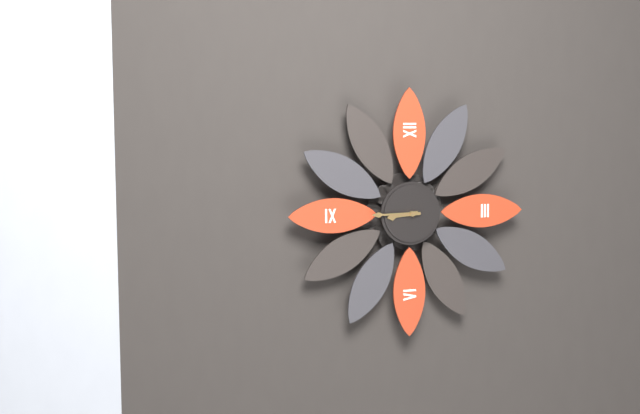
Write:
8,45
